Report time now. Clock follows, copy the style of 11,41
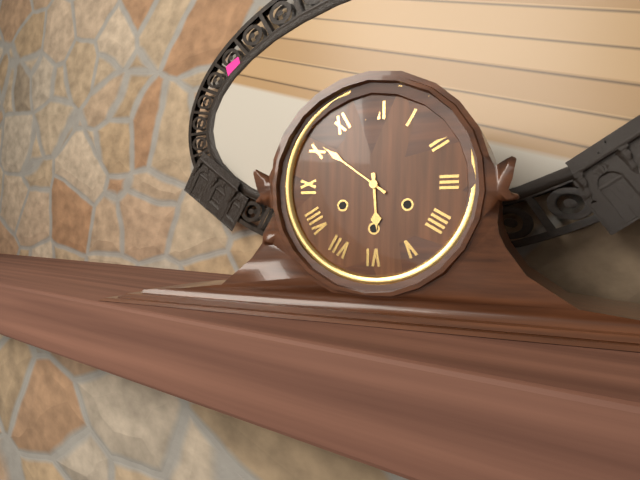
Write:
5,51
